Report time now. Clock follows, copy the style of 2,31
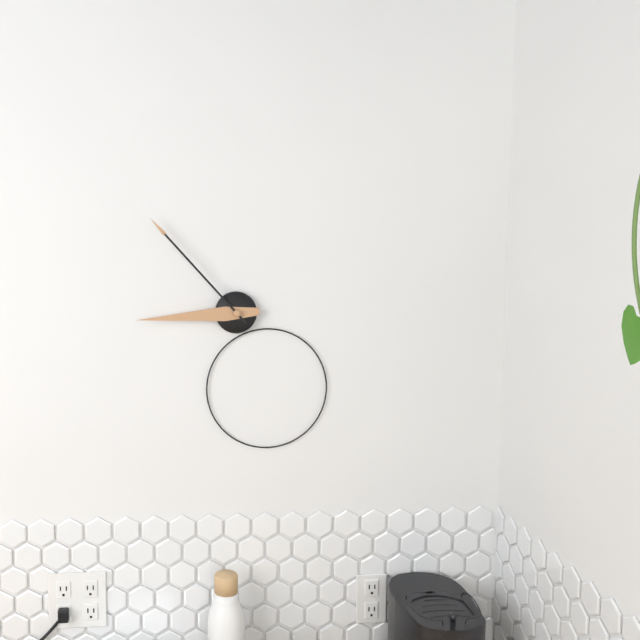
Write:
8,53
